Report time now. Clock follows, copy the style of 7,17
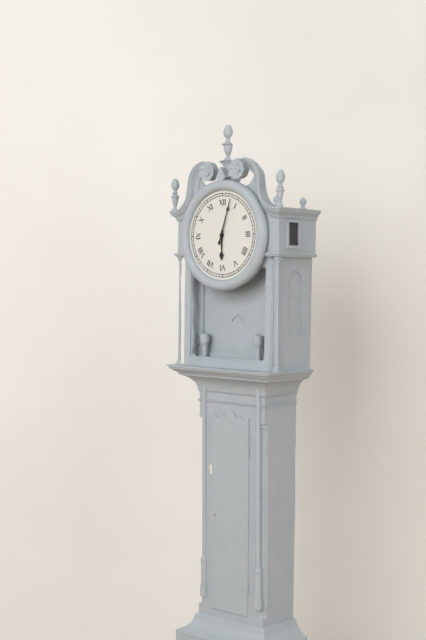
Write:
6,03
